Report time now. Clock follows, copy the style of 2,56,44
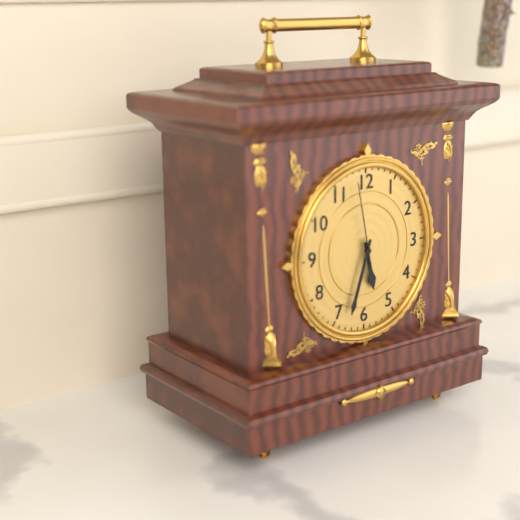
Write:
5,33,58
